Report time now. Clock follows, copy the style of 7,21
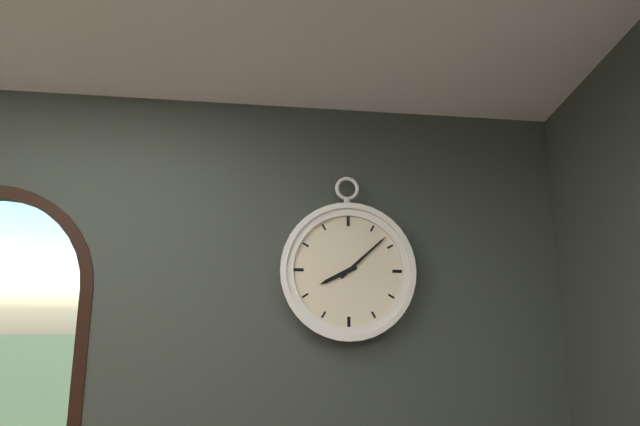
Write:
8,08
